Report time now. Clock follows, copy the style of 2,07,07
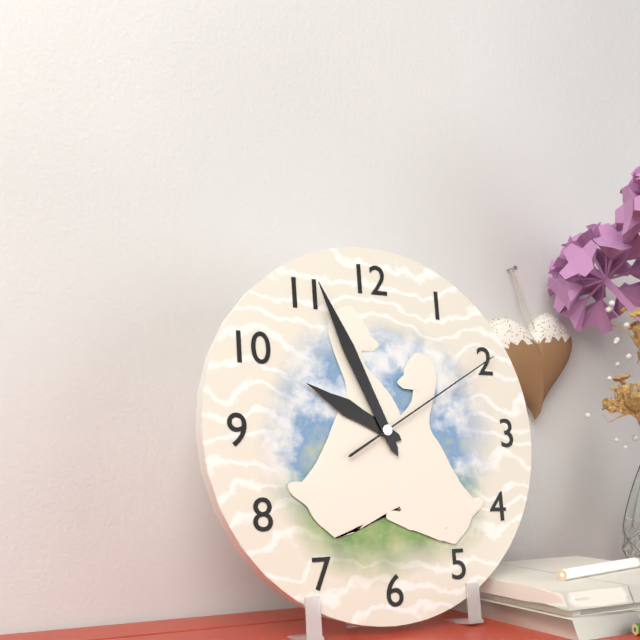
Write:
9,56,10
